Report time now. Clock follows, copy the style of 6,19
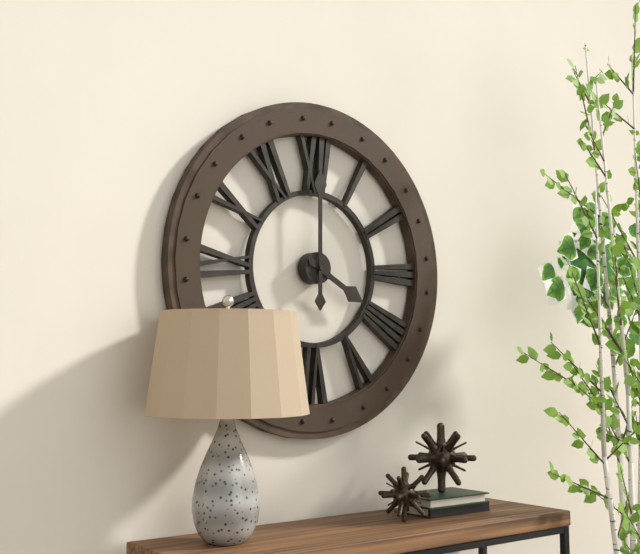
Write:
4,00
